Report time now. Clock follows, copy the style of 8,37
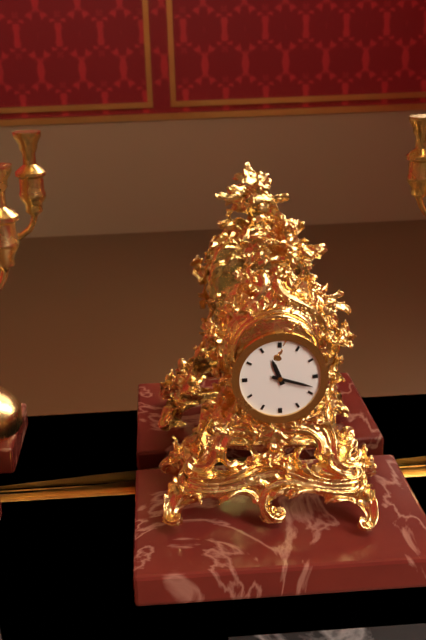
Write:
11,18
